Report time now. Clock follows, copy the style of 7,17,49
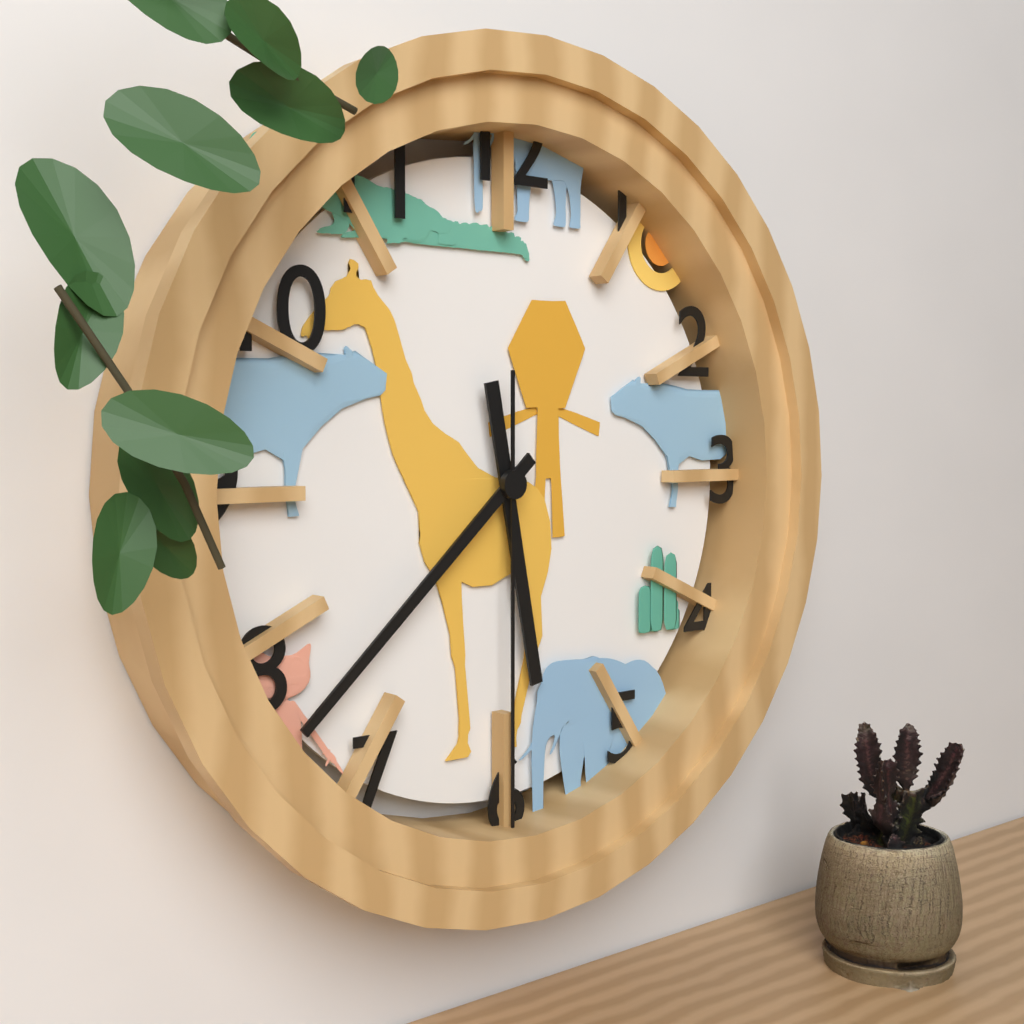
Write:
5,38,30
